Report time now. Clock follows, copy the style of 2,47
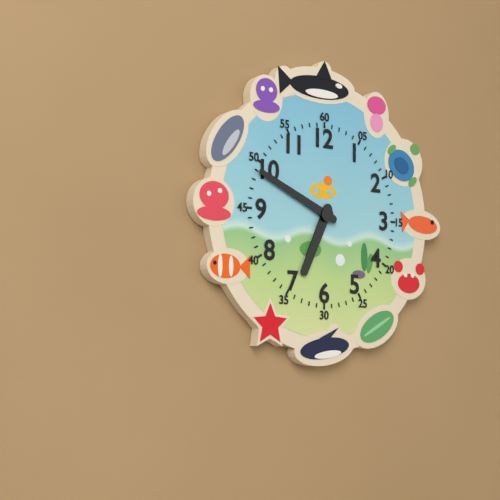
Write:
6,49
